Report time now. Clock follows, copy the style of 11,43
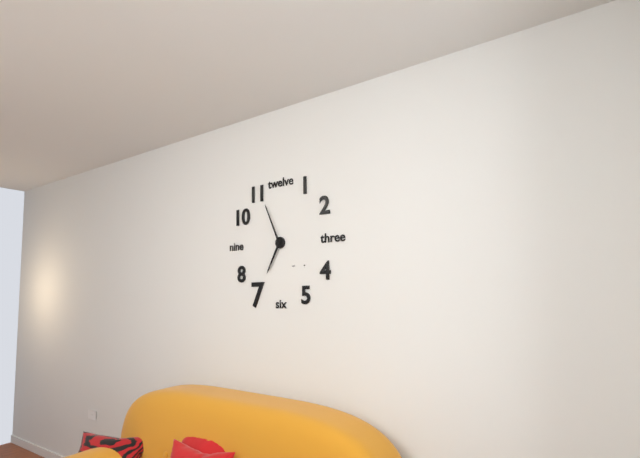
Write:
6,56
